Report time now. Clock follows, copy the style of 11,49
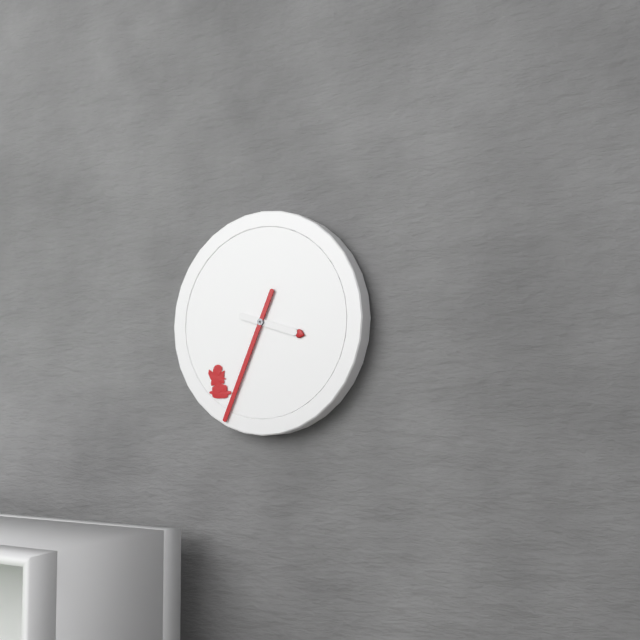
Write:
3,34
